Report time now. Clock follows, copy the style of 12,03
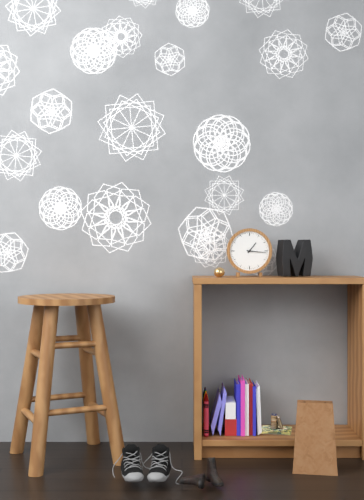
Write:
1,16
